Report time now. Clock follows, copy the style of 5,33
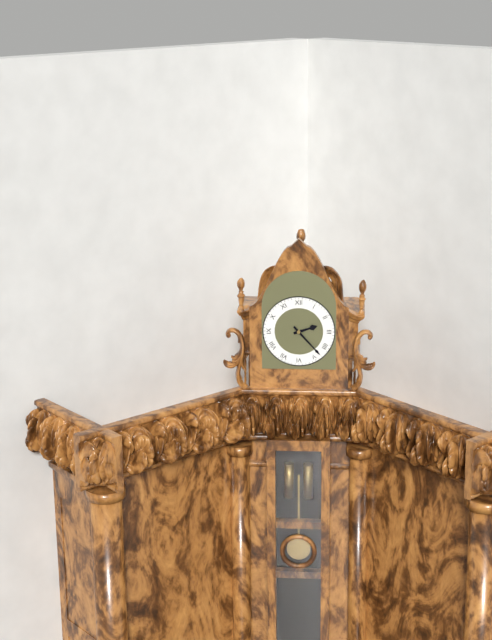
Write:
2,23
